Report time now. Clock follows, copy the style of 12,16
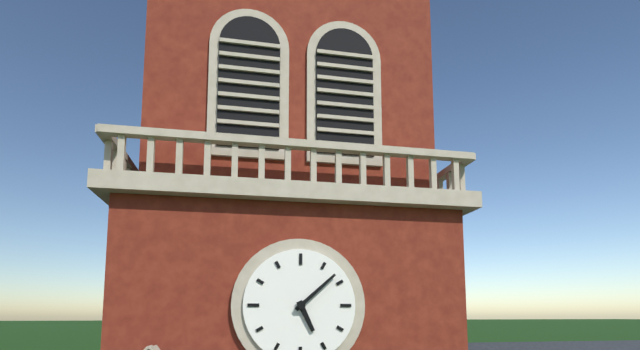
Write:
5,08
